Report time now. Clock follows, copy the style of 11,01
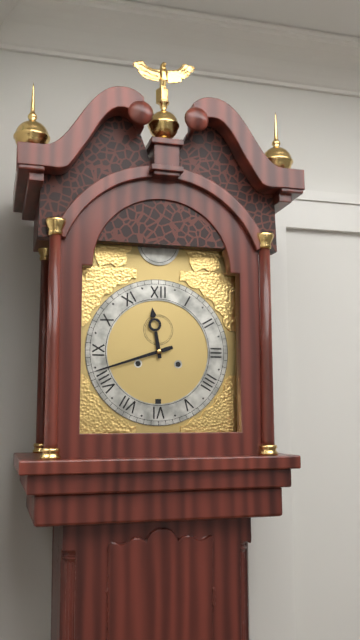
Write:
11,42
